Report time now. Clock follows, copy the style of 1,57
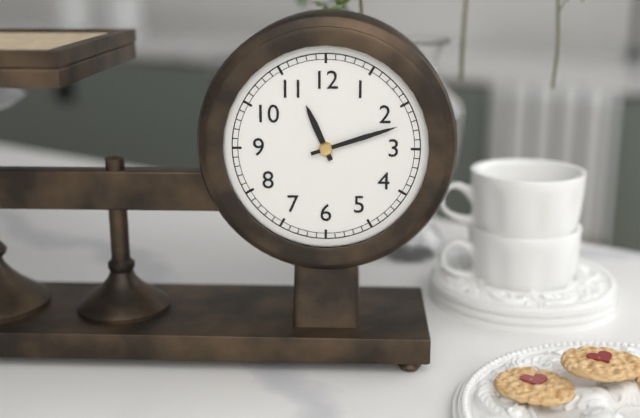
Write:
11,12
